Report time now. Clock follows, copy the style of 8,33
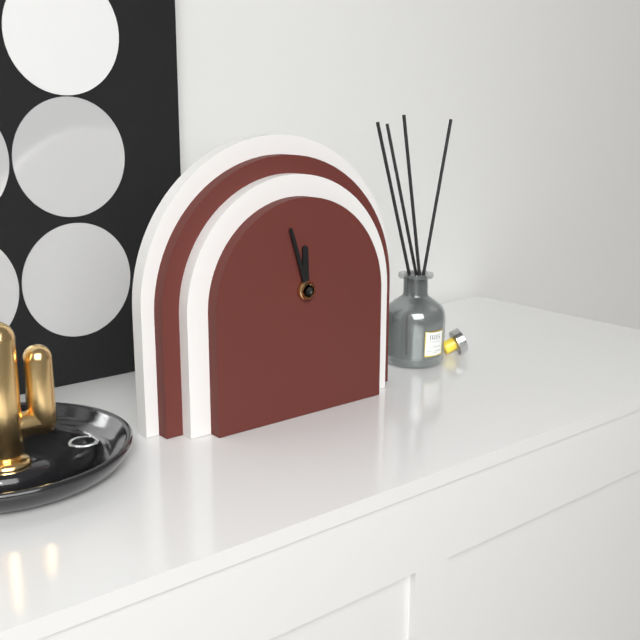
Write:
11,57
